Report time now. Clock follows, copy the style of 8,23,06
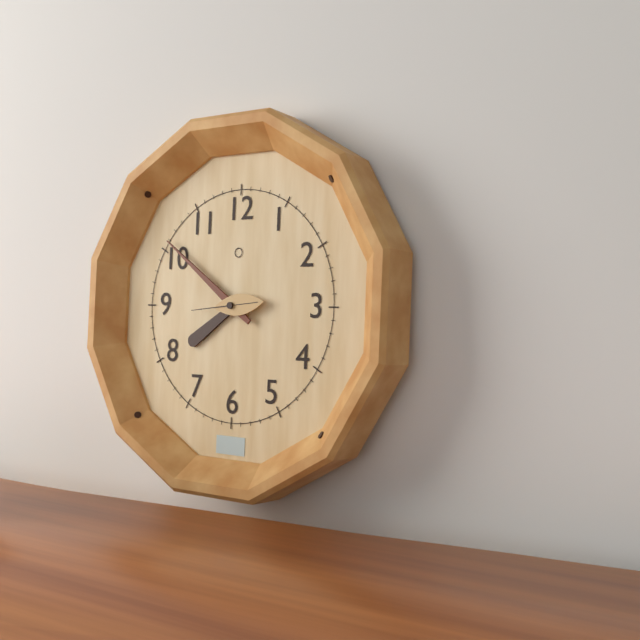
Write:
7,51,44
